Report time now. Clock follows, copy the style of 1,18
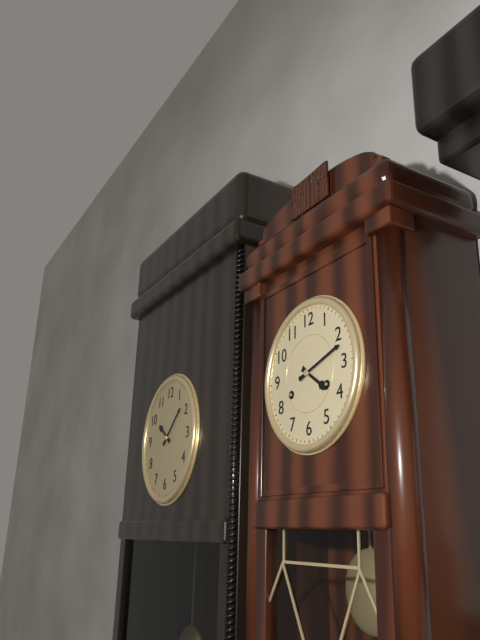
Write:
4,12
